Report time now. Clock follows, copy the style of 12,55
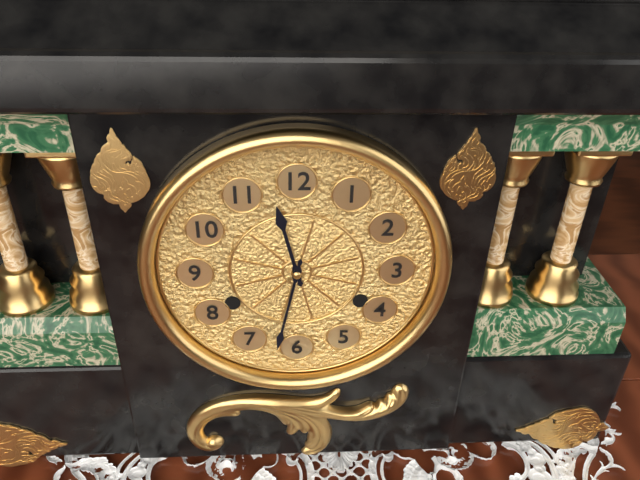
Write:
11,32
